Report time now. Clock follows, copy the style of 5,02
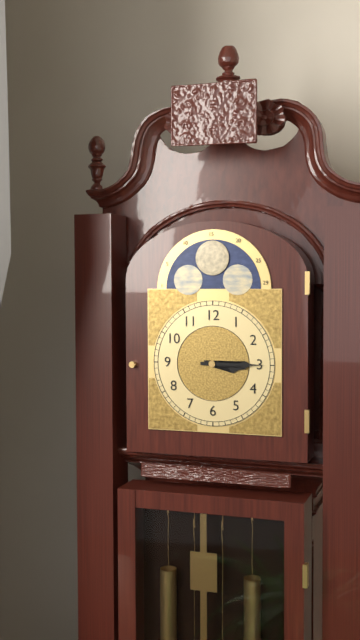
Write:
3,15
